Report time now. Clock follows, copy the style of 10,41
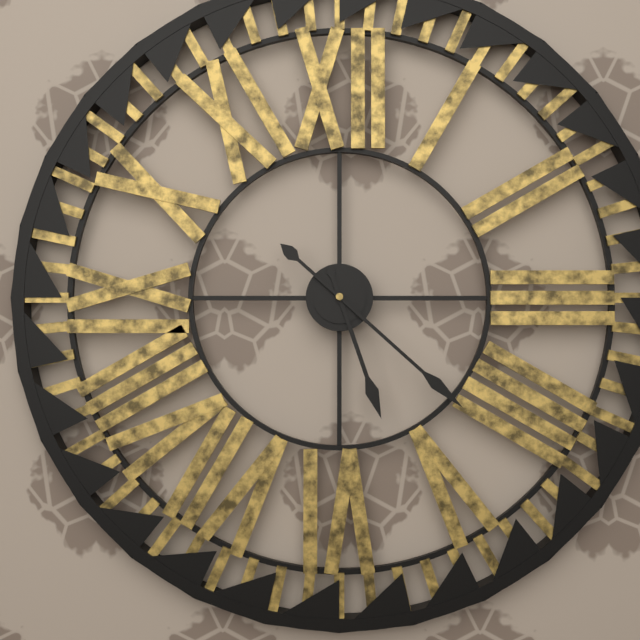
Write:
5,22
